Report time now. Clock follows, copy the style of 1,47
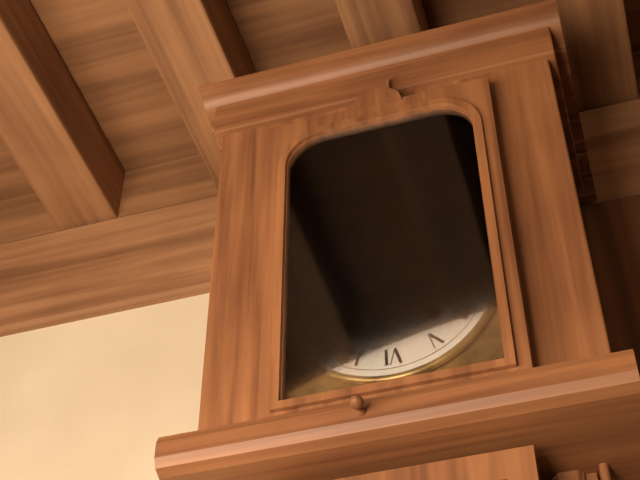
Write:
8,01
